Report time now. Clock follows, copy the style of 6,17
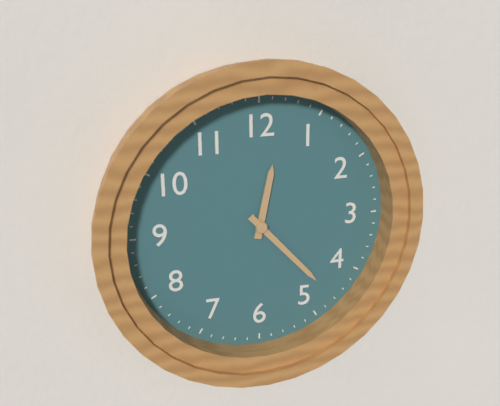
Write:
12,23
